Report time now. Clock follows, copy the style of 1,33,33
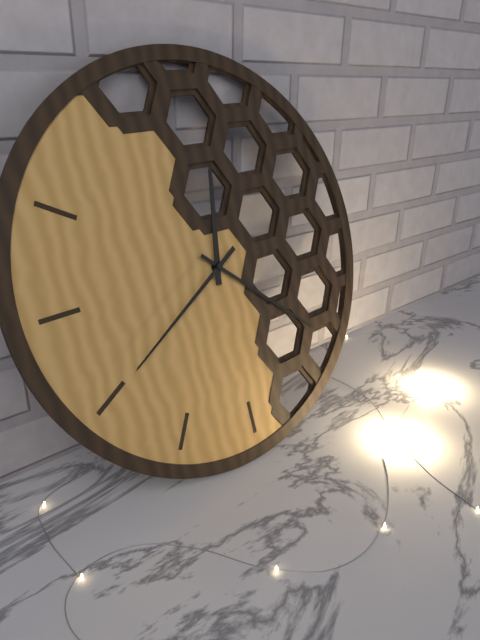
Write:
12,22,40
